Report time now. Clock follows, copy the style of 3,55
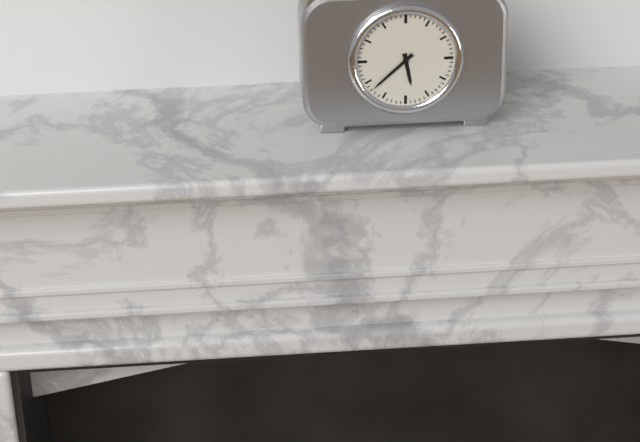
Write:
5,38
